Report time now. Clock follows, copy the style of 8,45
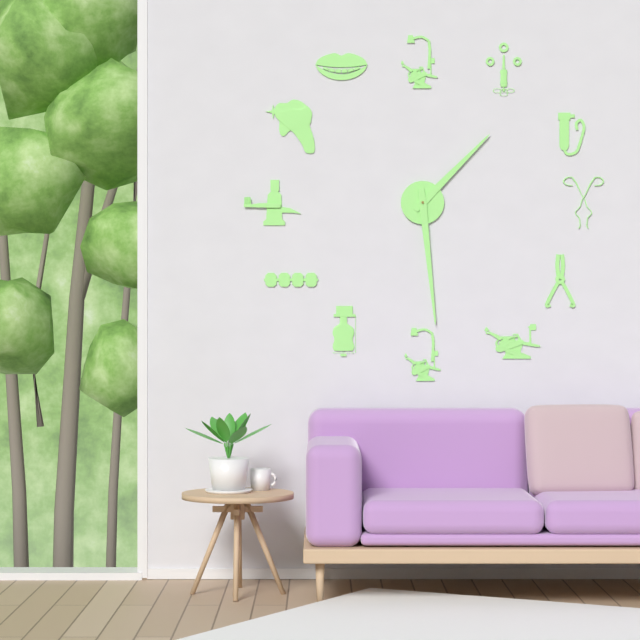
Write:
1,29
